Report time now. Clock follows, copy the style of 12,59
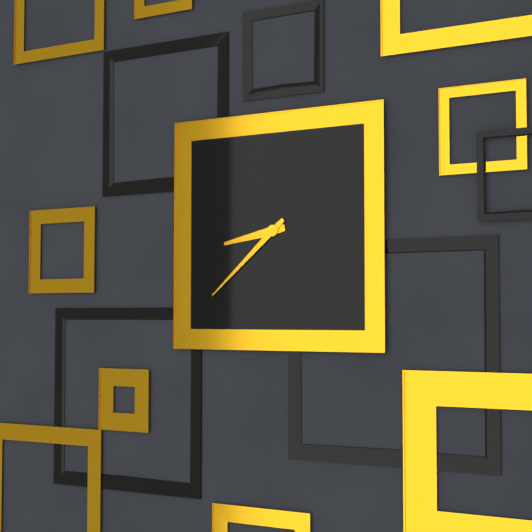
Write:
8,38
